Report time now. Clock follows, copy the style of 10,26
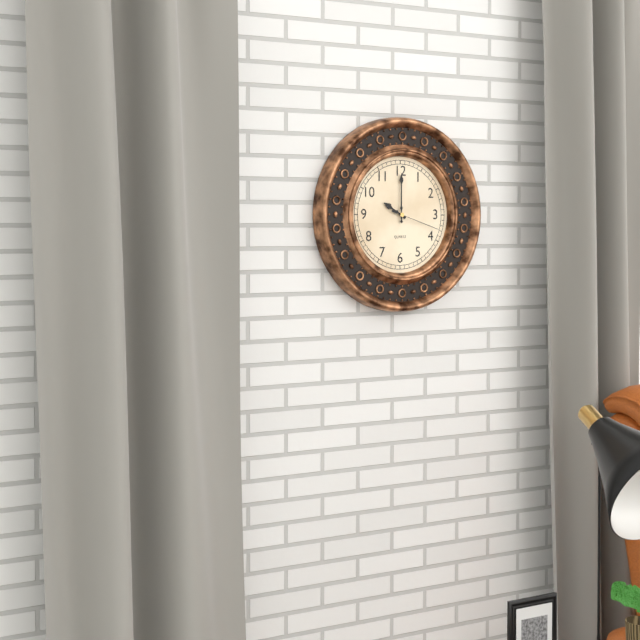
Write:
10,00
